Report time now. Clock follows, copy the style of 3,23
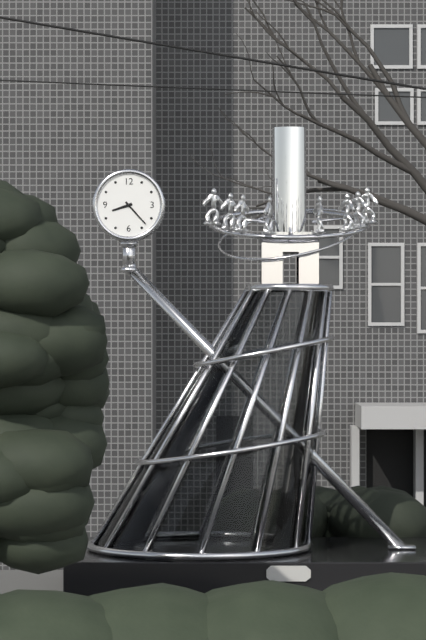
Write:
8,23
